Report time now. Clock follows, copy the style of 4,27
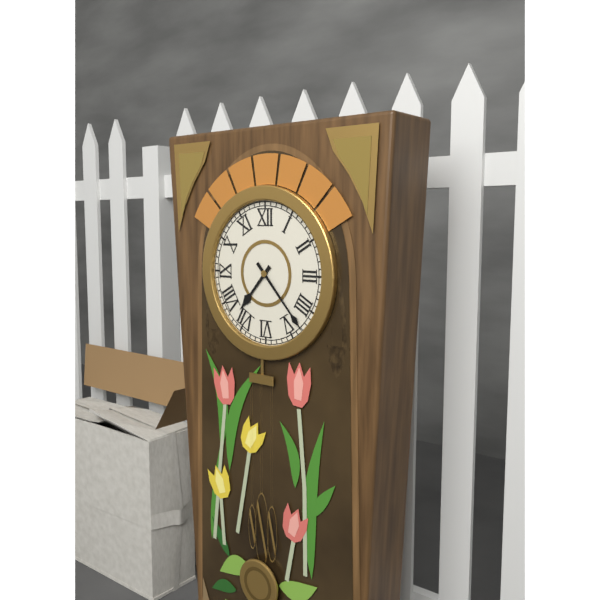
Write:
7,23
